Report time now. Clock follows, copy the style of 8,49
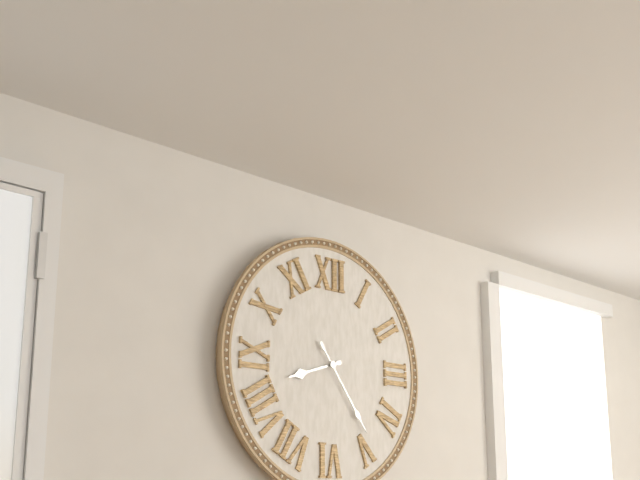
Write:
8,24
